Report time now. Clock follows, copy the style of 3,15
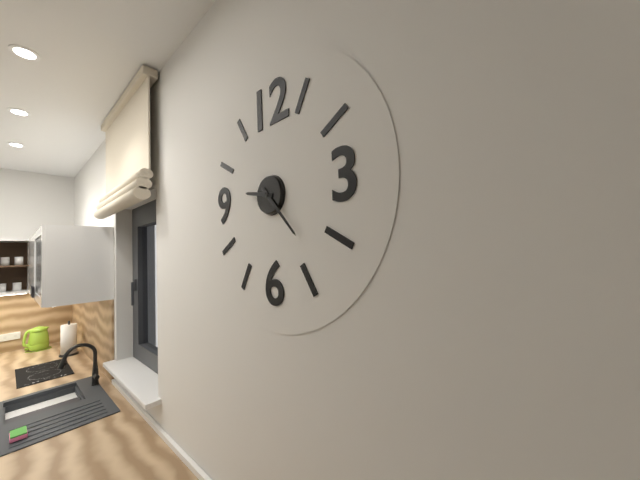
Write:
9,23
